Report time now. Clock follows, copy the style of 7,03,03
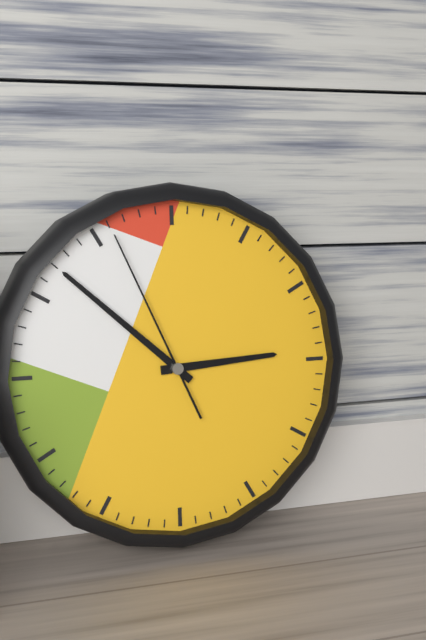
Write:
2,52,56
